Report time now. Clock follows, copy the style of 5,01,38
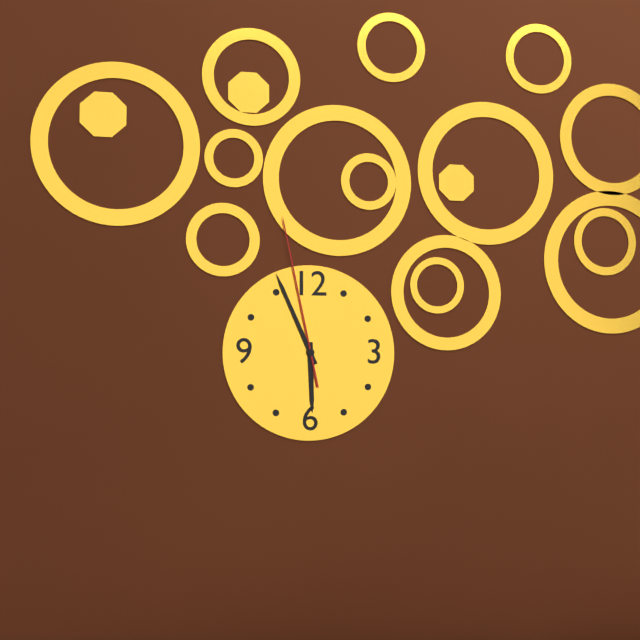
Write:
5,56,58
